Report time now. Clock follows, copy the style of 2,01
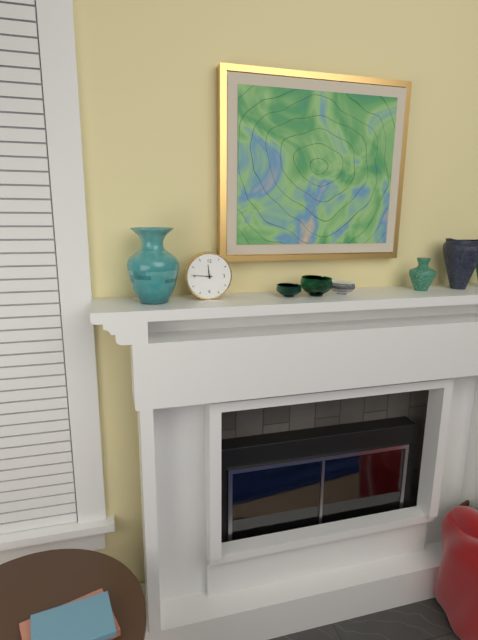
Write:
11,46
